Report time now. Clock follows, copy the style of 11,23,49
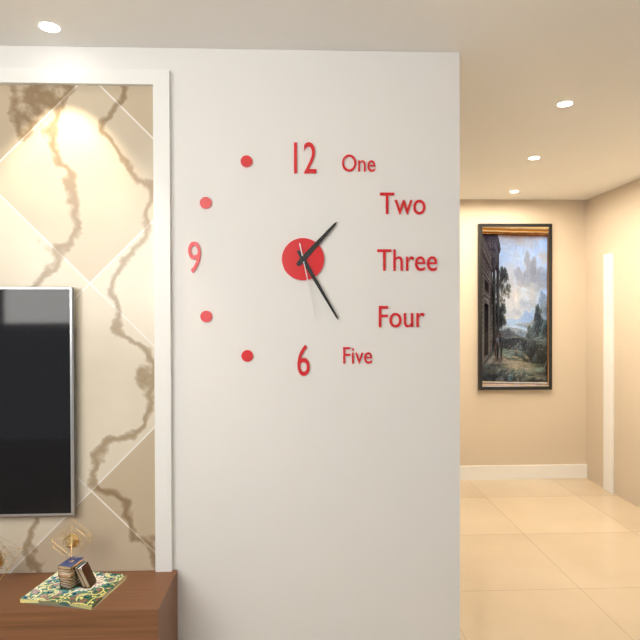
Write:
1,25,28
